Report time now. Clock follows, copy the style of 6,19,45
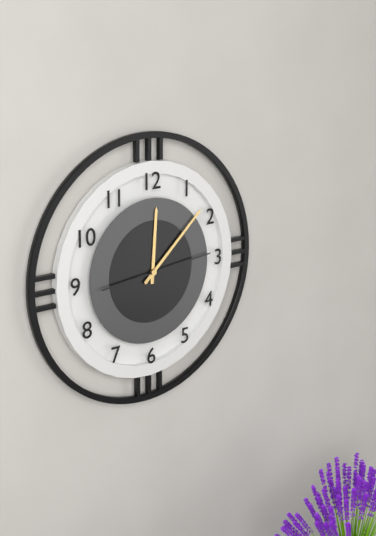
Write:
12,08,14
